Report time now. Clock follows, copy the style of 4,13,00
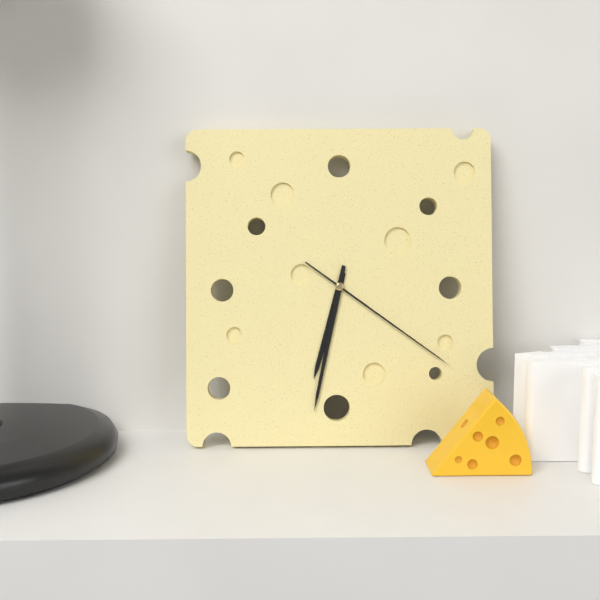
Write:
6,32,21
